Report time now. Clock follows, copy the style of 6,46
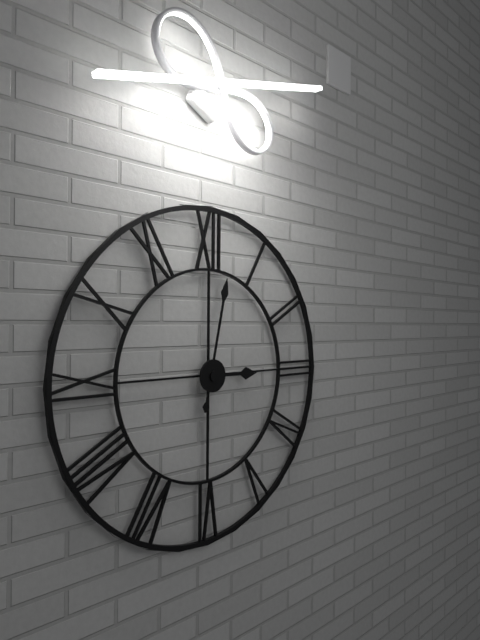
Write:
3,02
